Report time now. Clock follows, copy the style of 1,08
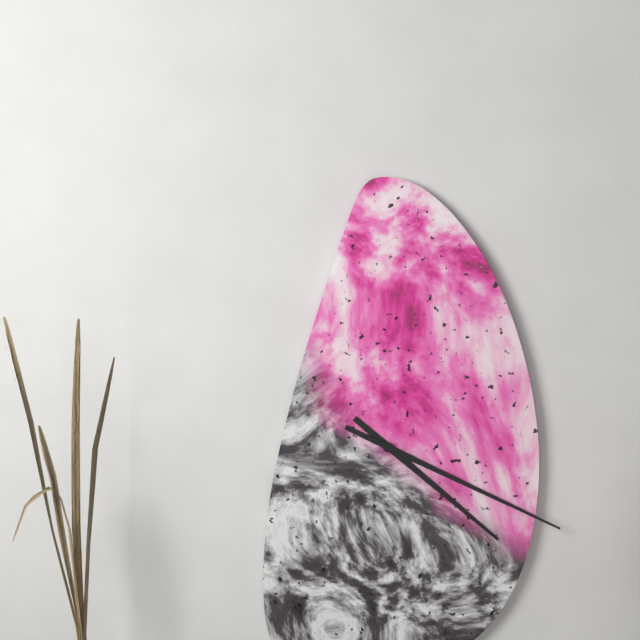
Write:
4,19
